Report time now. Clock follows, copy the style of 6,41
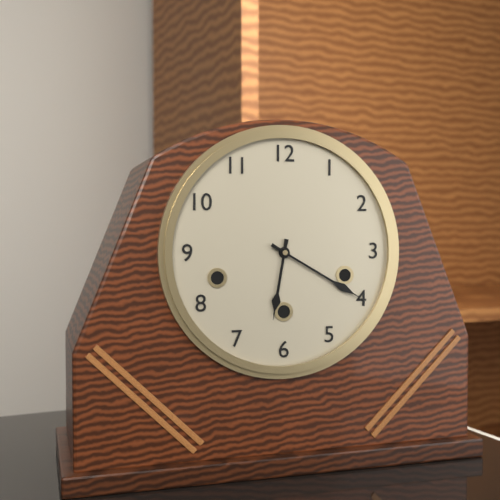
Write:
6,20
